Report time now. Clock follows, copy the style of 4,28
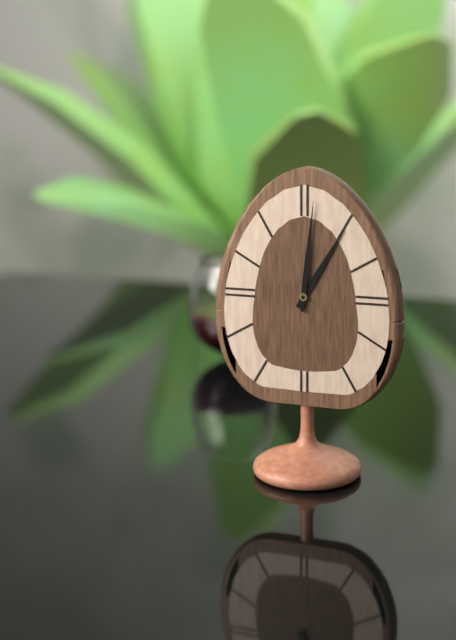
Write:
1,01
